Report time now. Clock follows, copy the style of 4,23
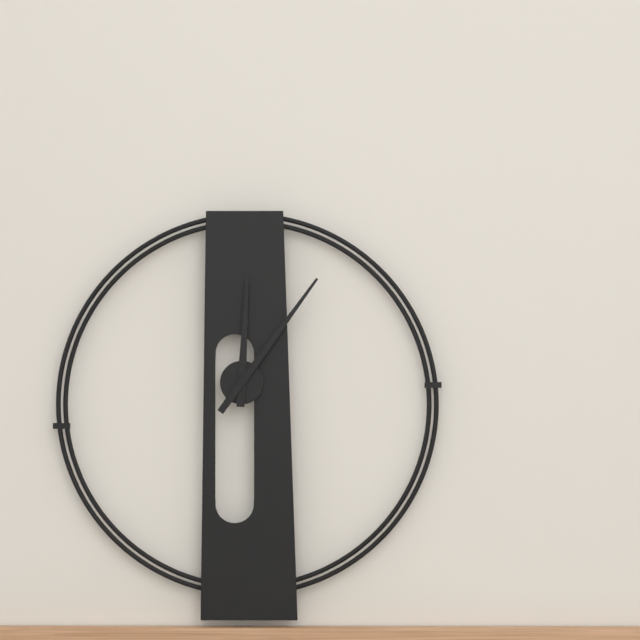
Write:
12,06
